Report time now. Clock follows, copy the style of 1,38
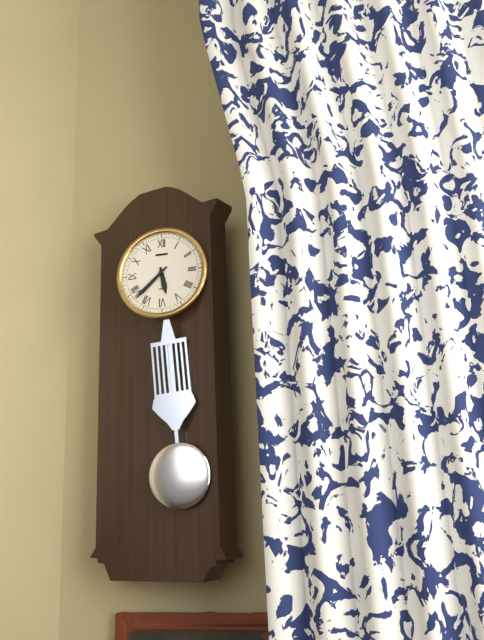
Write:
5,38
